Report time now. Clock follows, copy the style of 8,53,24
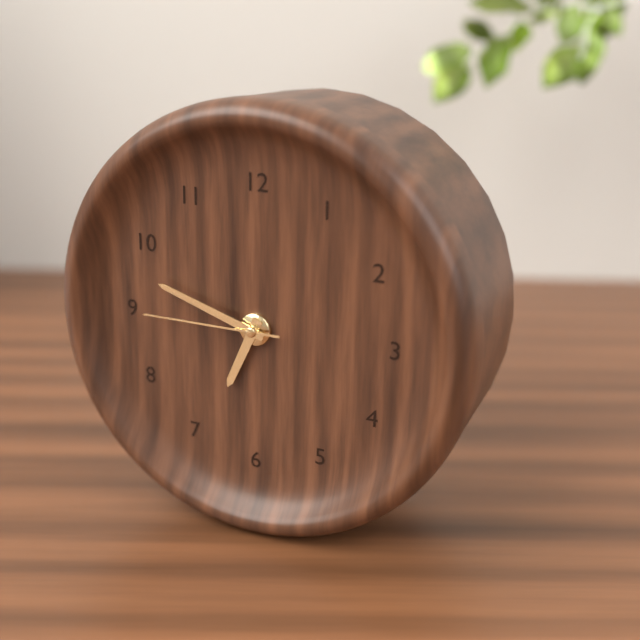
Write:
6,48,45
